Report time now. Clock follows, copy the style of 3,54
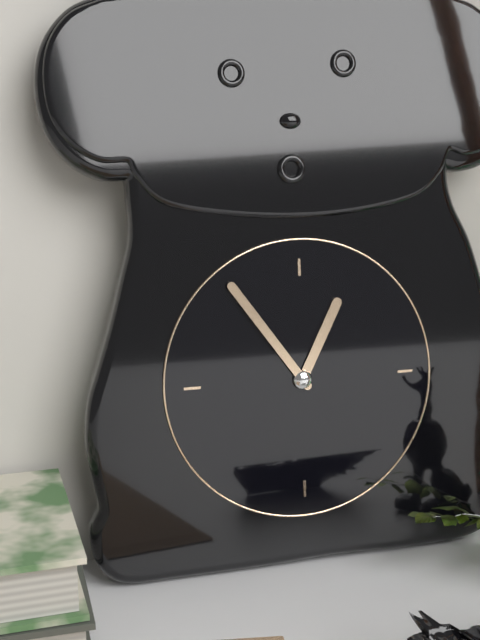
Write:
12,54
